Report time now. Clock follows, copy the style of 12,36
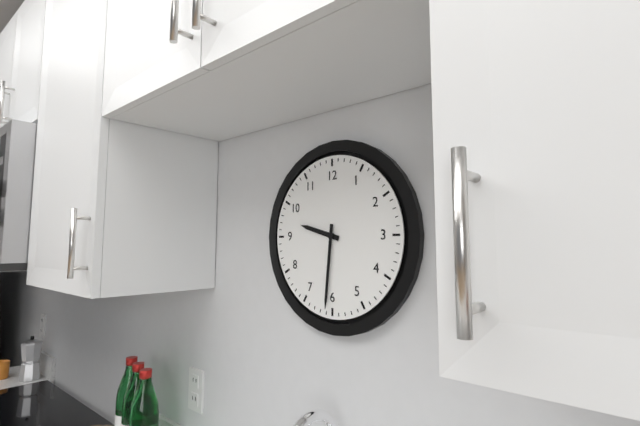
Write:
9,31
